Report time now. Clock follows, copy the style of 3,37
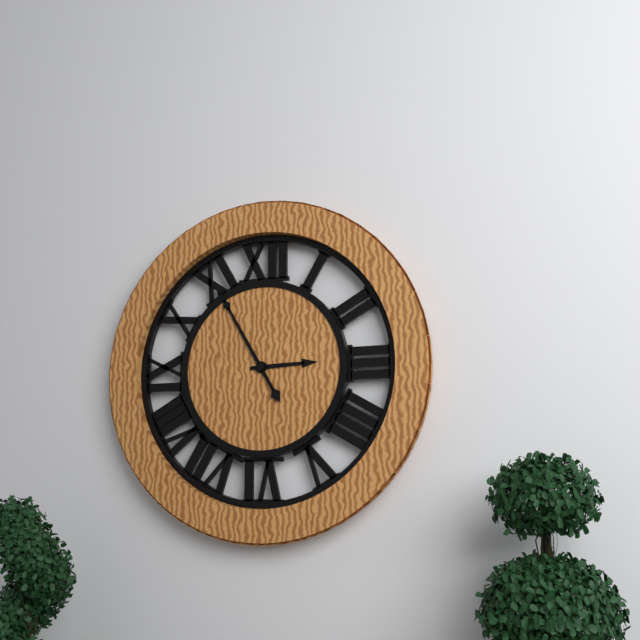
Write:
2,55
